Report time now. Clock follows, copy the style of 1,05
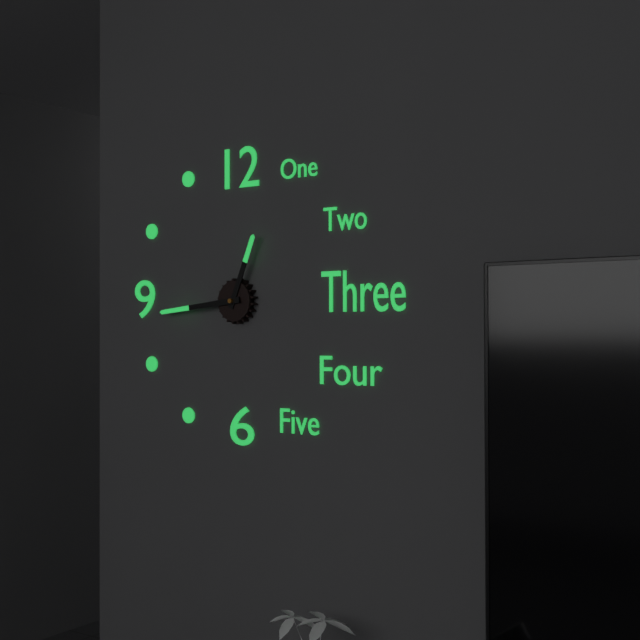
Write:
12,44
